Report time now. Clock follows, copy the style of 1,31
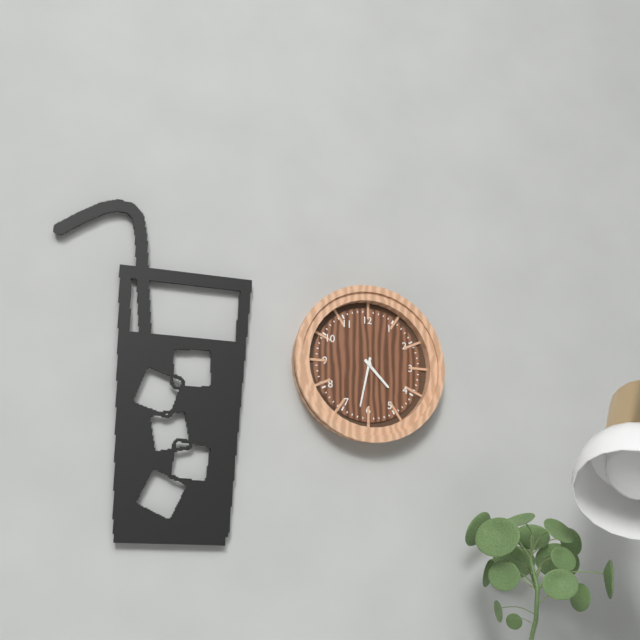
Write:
4,32
